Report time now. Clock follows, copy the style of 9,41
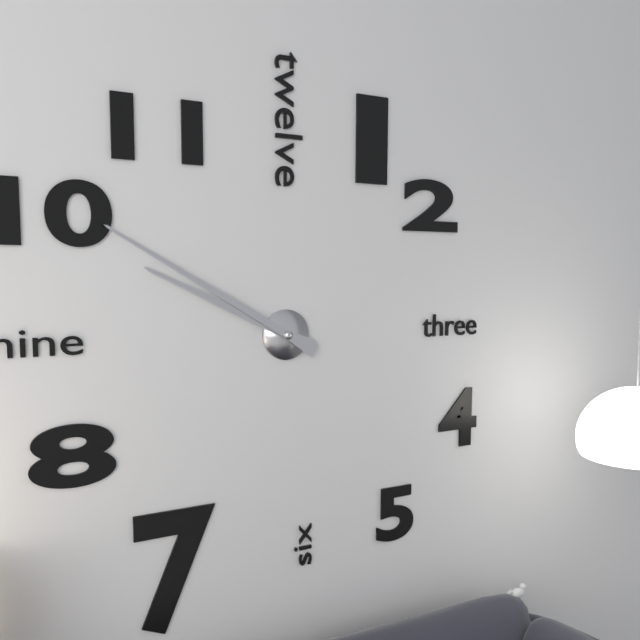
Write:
9,50
